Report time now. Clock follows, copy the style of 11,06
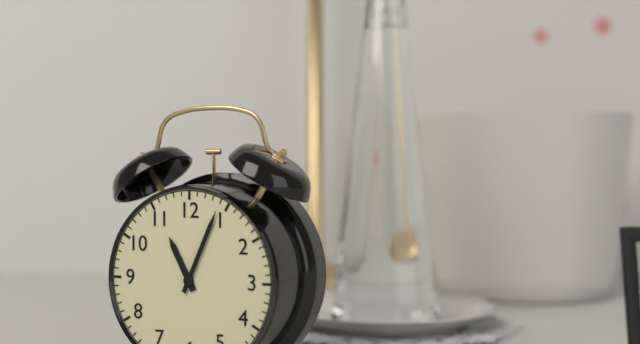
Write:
11,04
